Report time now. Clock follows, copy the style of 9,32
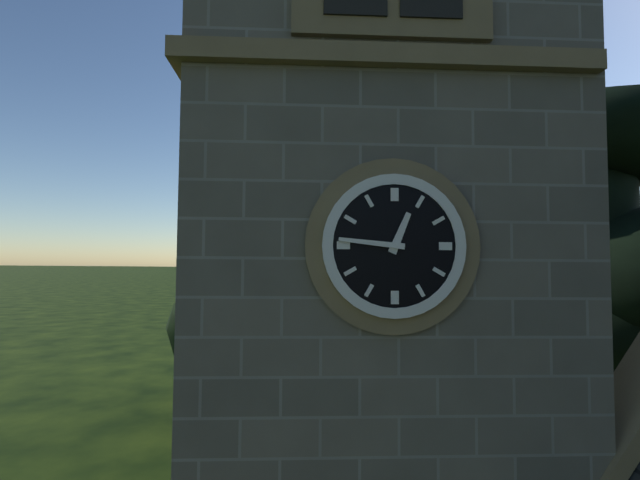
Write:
12,46
